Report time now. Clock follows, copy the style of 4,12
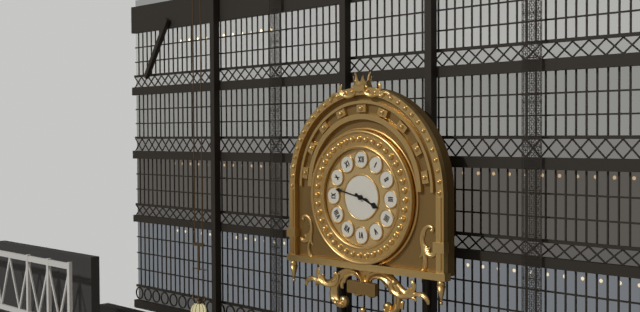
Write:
3,47
